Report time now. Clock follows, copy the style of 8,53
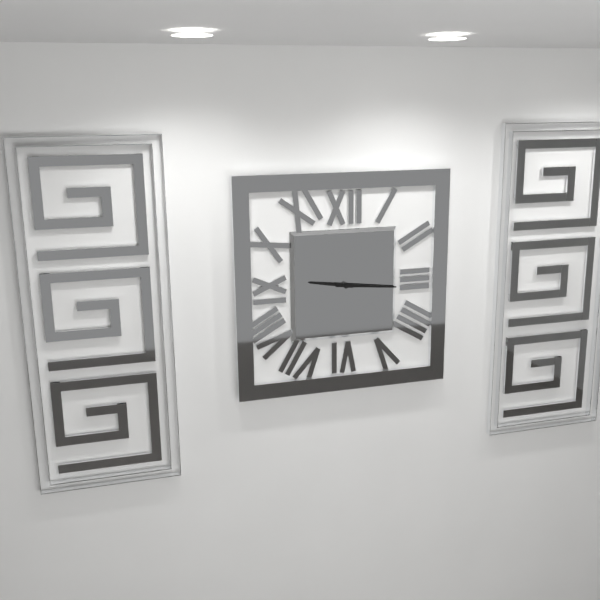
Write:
9,16
